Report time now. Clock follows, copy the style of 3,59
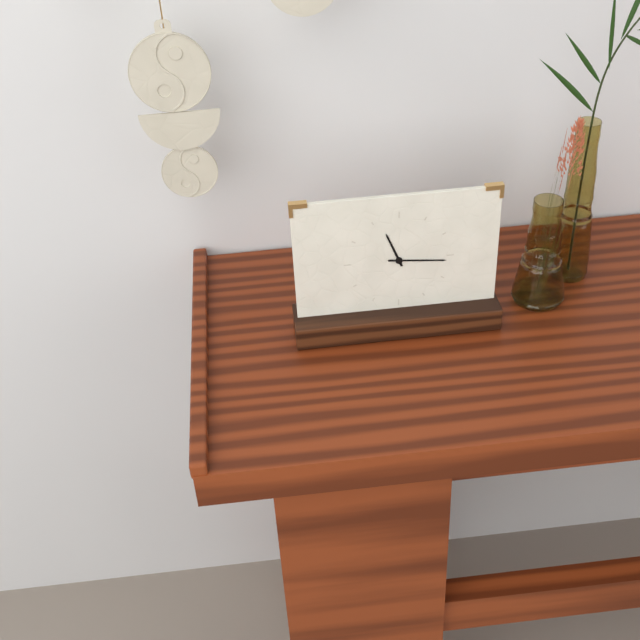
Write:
11,16
